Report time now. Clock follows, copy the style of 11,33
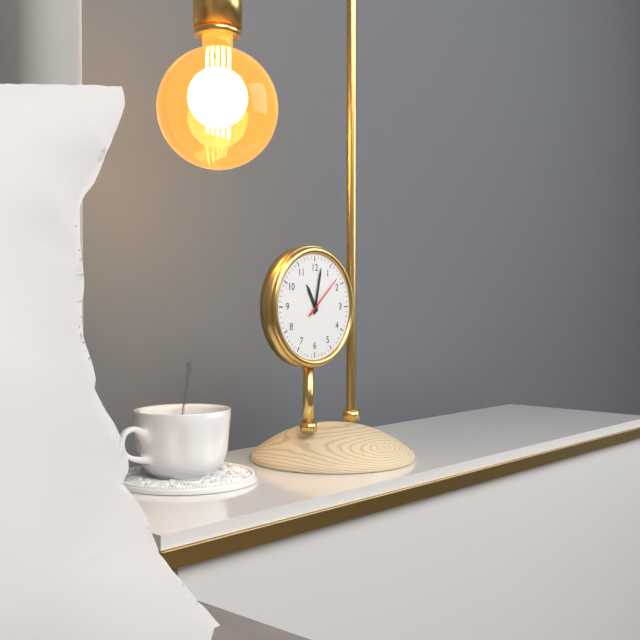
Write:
11,02
